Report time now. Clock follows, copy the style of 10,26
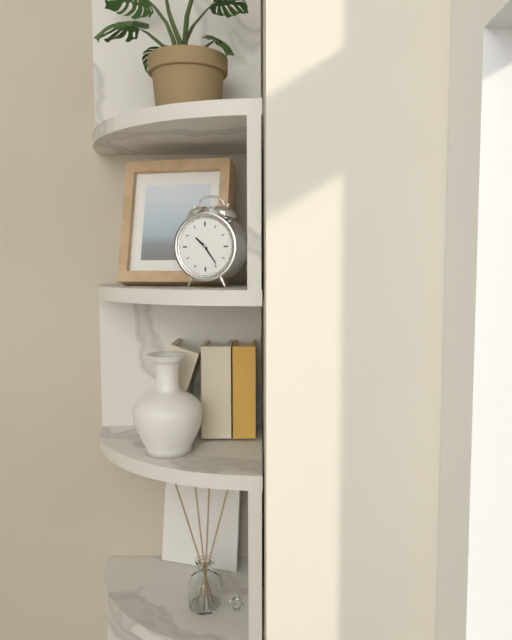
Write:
10,24
